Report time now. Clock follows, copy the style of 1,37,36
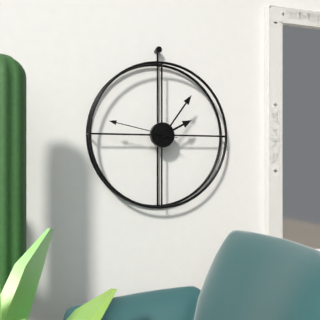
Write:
2,06,47
